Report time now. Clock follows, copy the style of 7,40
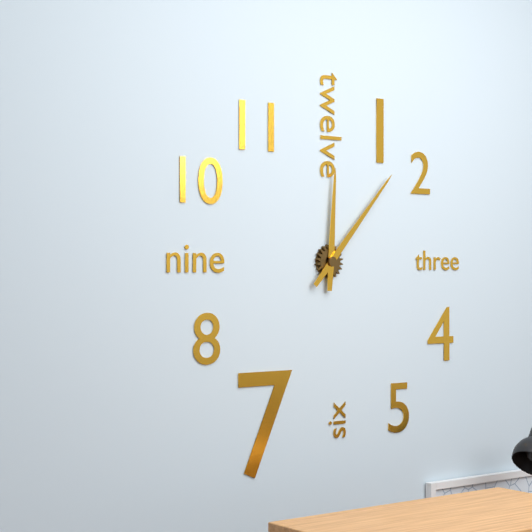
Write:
12,07
